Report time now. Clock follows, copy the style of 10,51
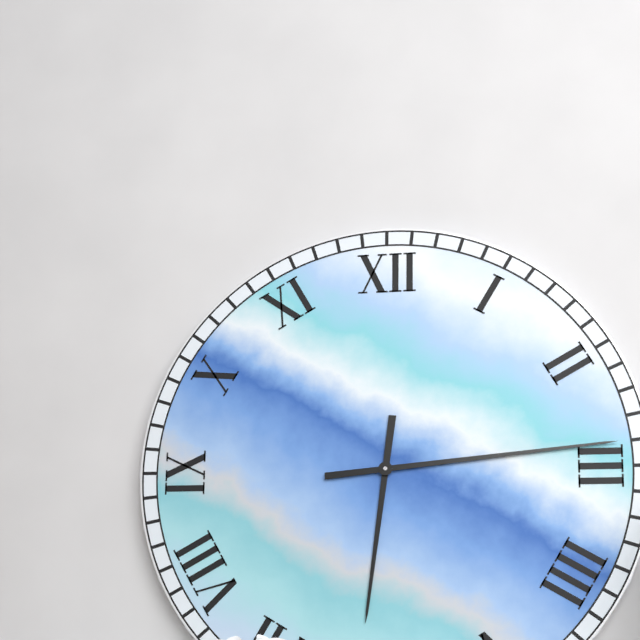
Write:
6,14
